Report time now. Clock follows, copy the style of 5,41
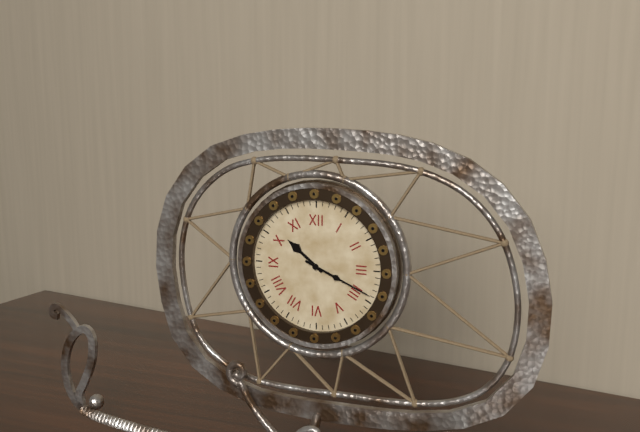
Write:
10,19
